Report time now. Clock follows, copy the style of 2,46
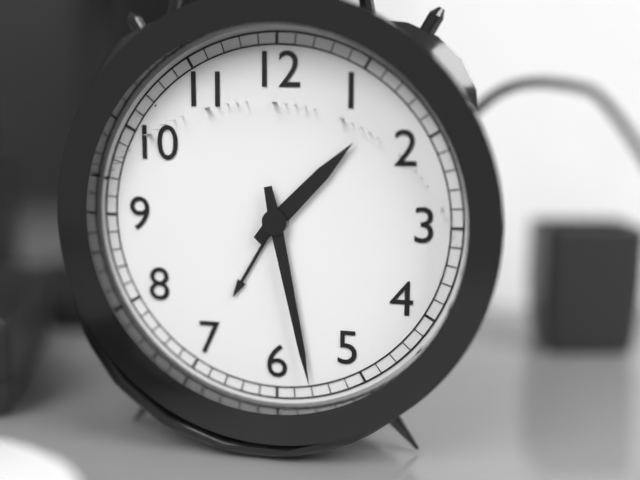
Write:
1,28
